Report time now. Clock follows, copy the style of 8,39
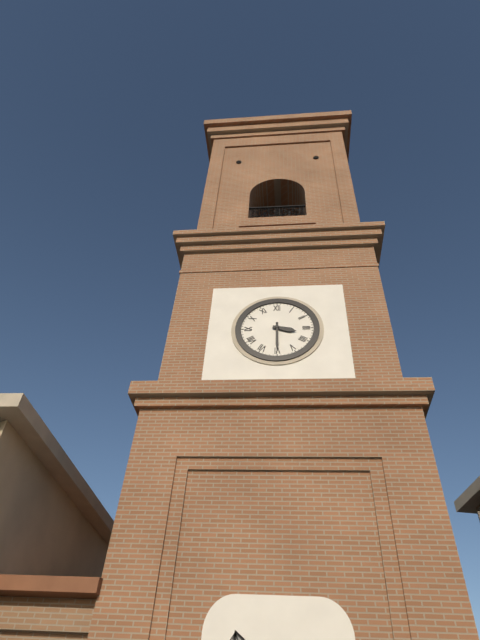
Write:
3,30
